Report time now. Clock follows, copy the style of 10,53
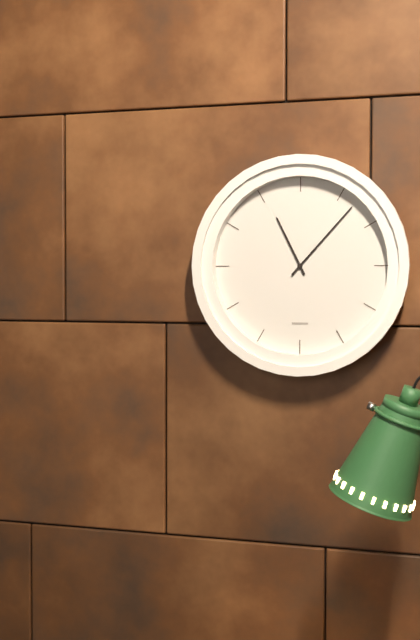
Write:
11,07
